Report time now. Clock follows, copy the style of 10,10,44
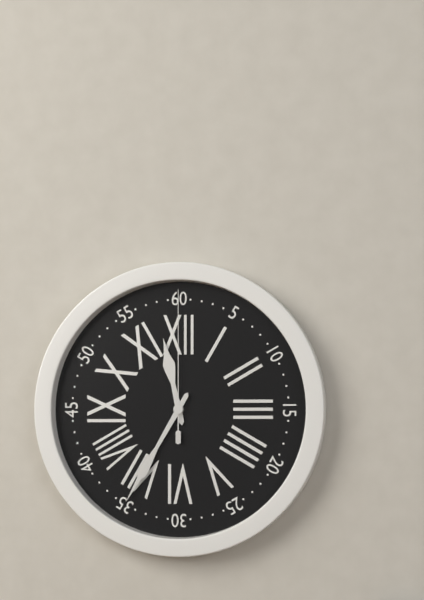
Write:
11,35,00
